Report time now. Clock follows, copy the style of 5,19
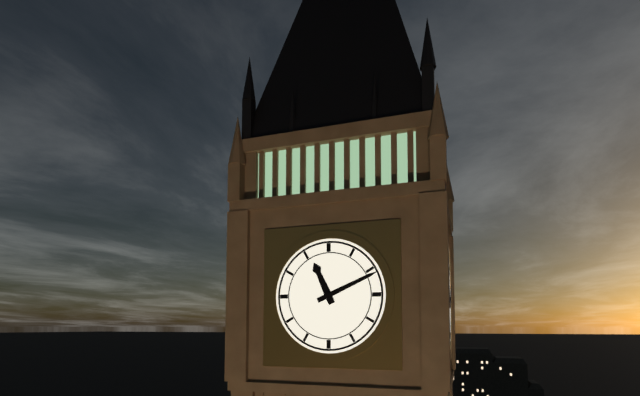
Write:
11,11
